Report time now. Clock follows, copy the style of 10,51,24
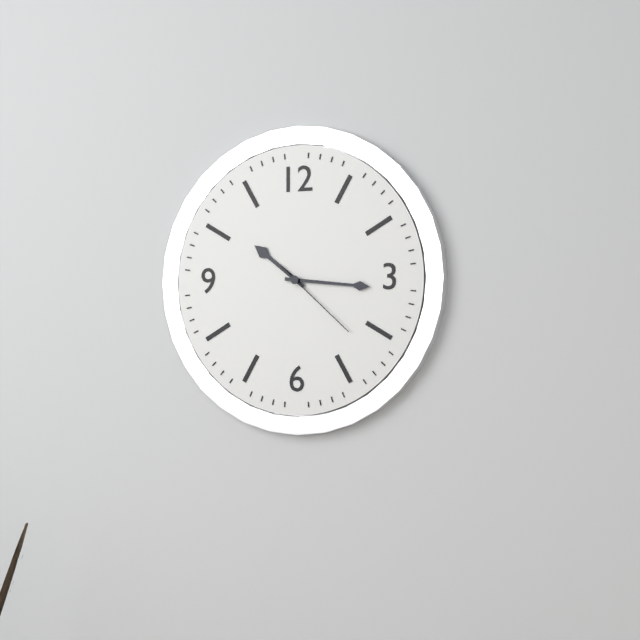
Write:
10,16,22
